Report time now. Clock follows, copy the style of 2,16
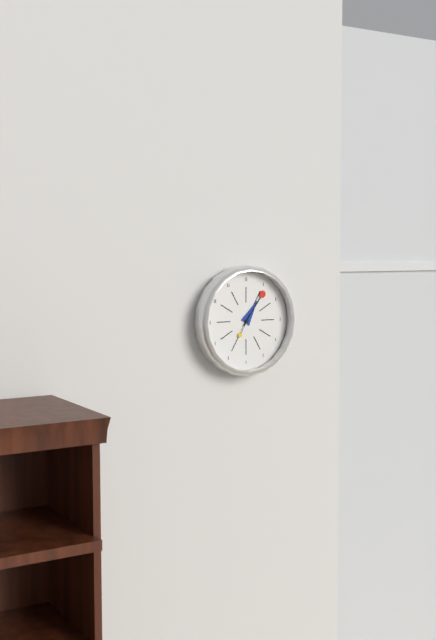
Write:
1,06
